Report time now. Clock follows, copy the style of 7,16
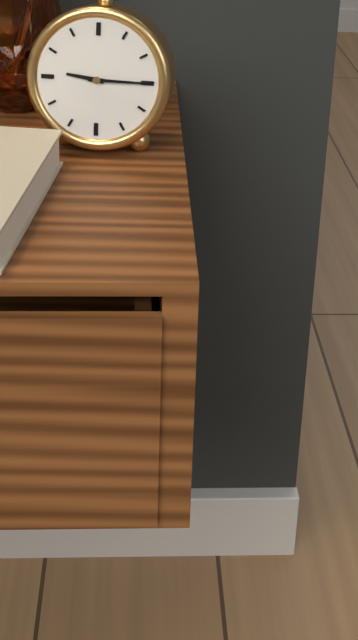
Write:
9,15
